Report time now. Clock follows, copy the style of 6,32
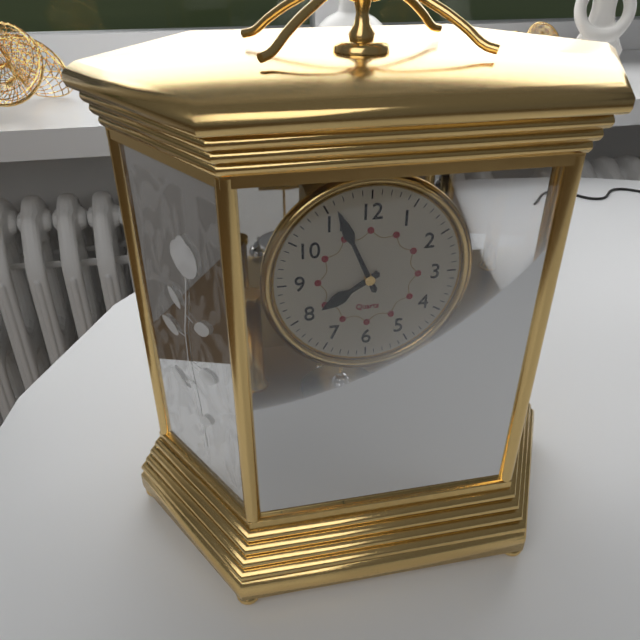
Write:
7,56
